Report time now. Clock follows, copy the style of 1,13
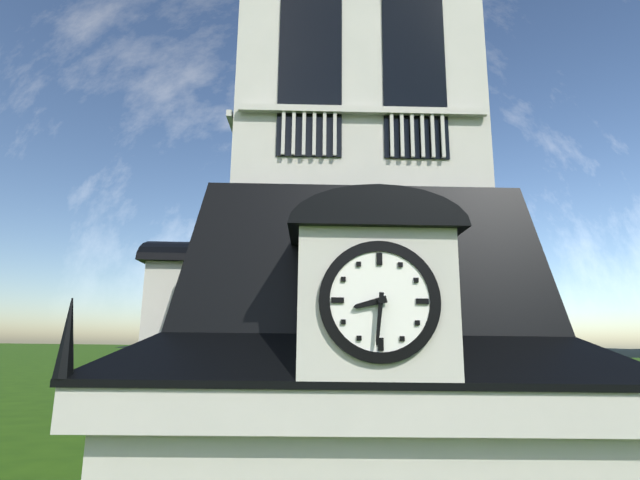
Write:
8,31
